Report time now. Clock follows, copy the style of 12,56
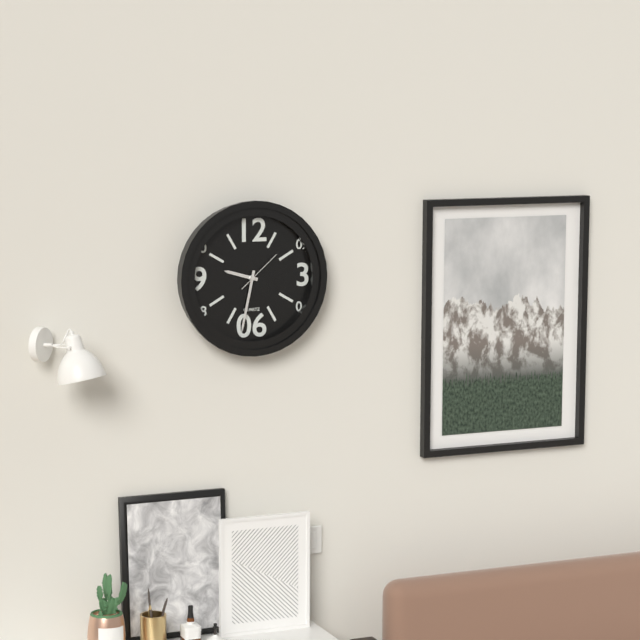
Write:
9,32
